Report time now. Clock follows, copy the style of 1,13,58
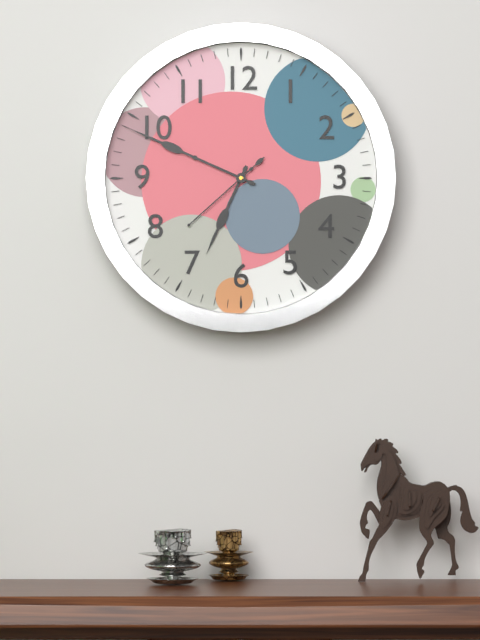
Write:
6,49,38
